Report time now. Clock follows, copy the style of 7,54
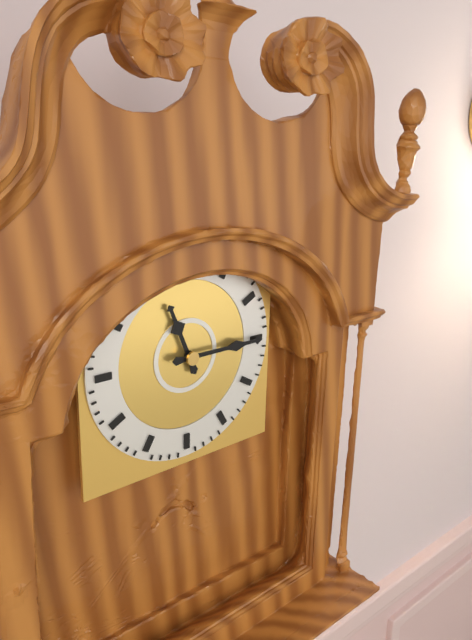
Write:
11,15
